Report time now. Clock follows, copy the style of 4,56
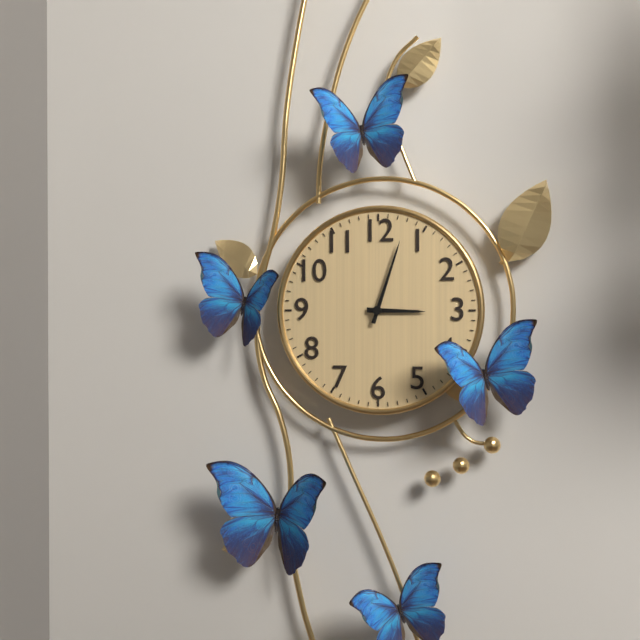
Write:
3,03
